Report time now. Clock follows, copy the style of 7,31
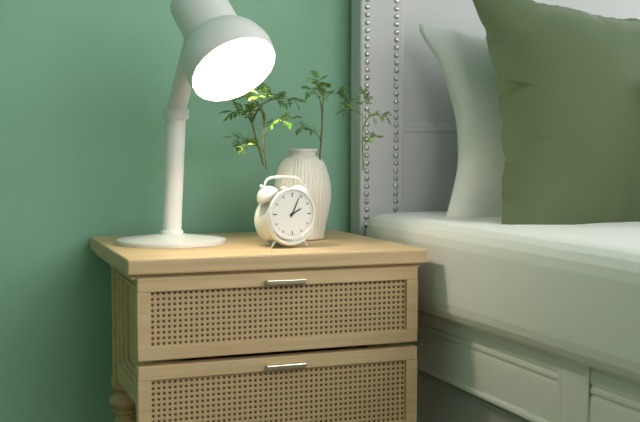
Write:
2,04
